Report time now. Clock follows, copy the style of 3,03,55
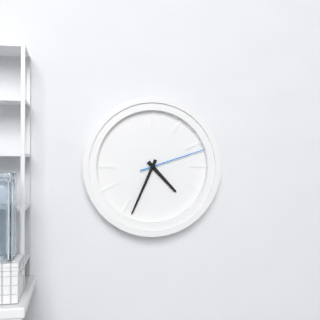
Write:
4,34,12
